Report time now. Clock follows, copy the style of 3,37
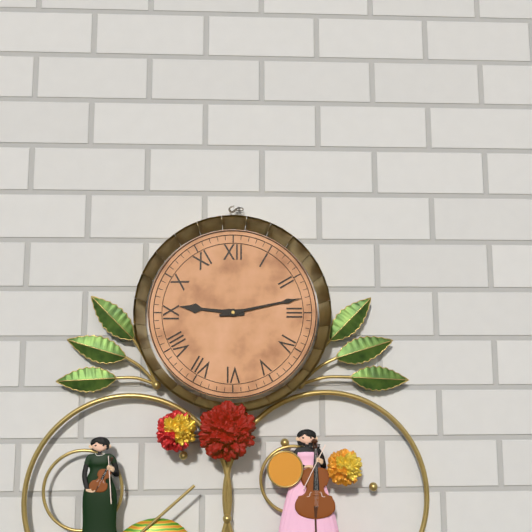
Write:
9,13
